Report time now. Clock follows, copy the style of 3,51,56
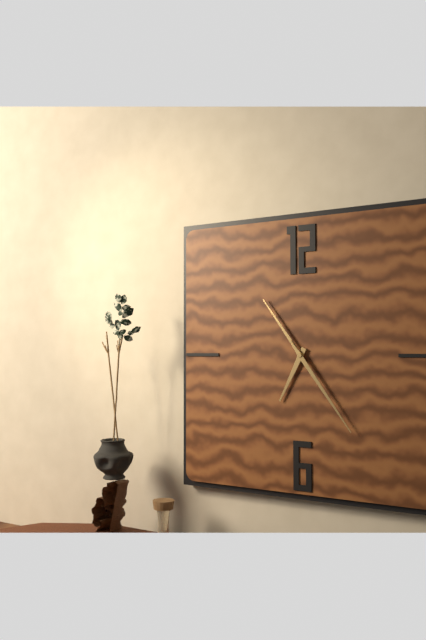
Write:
6,54,24
